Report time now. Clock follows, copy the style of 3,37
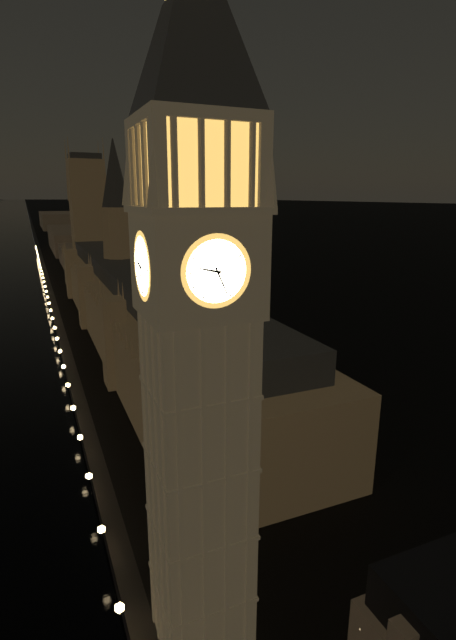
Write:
9,26
